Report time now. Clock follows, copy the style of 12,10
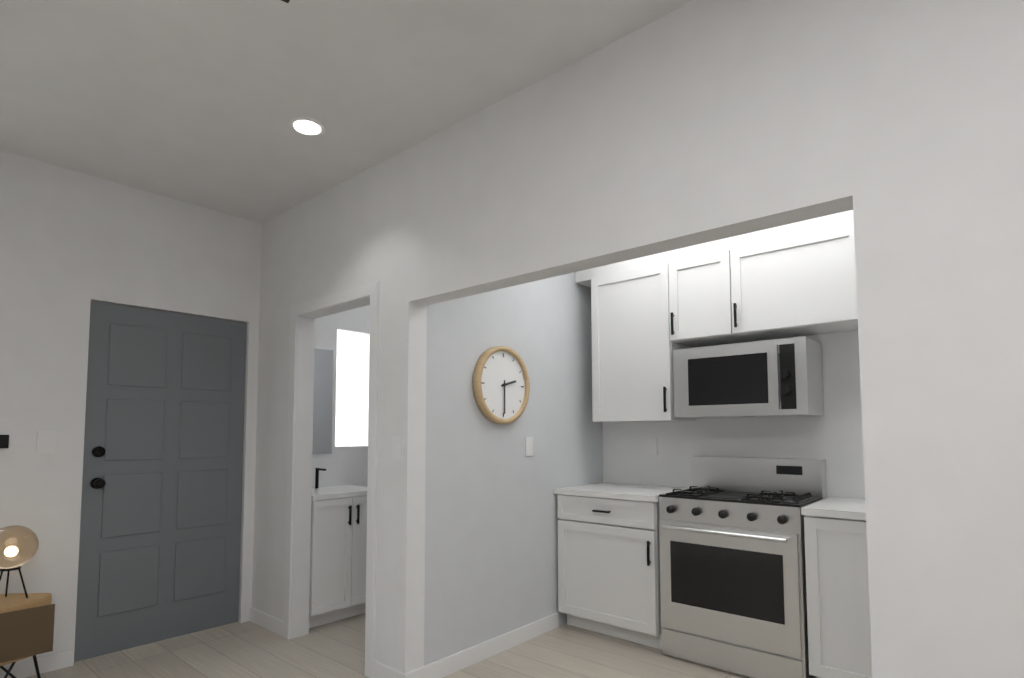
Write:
2,30
